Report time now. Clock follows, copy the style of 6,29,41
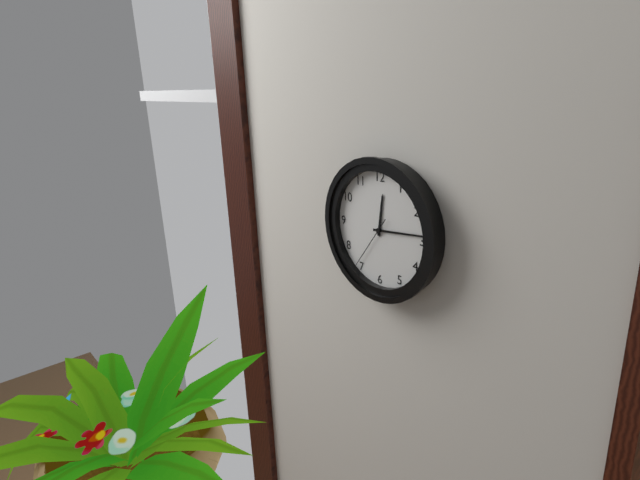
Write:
12,14,36
